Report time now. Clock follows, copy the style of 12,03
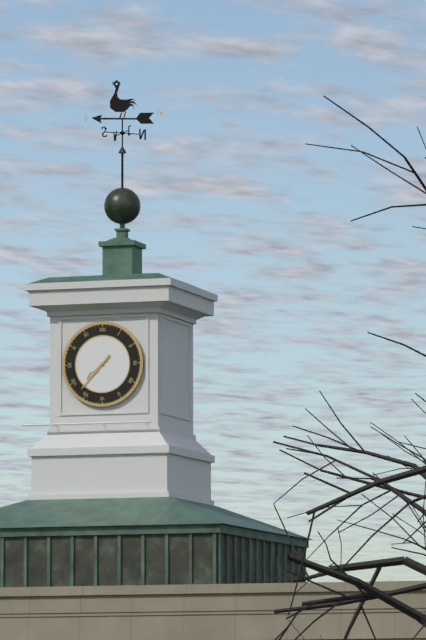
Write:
7,37
